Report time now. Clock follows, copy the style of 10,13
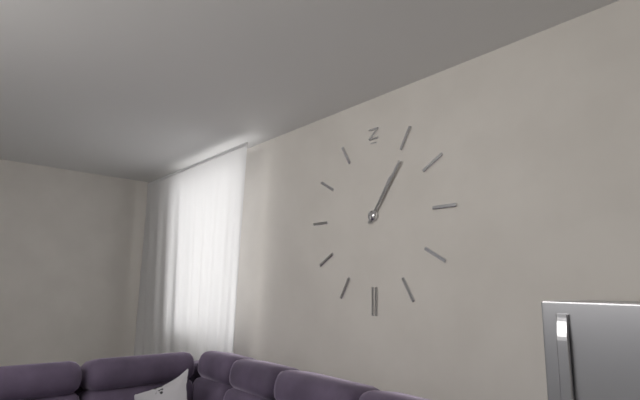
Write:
1,06
